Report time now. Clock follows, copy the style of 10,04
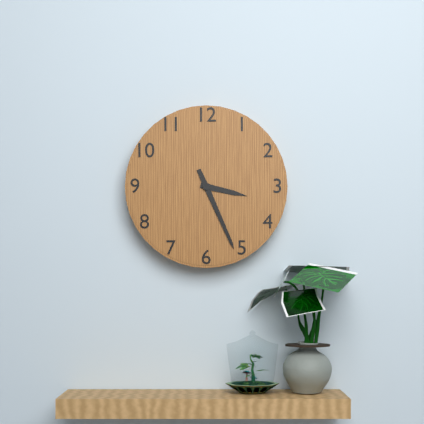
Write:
3,26
